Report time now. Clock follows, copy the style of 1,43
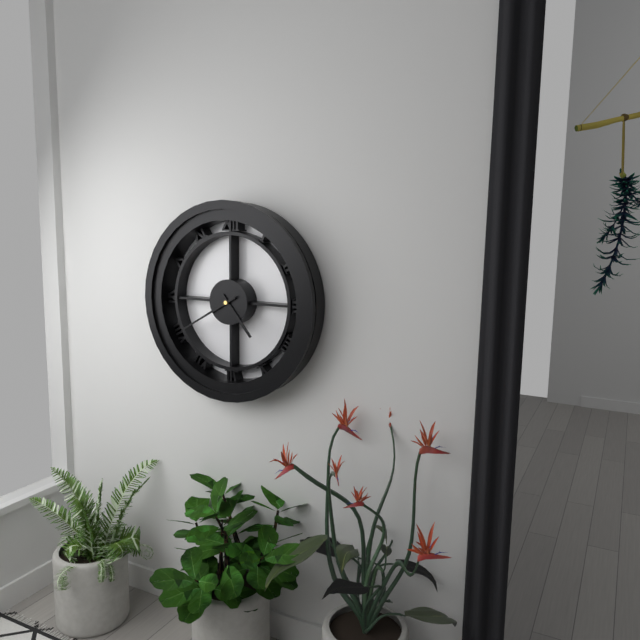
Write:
4,40
